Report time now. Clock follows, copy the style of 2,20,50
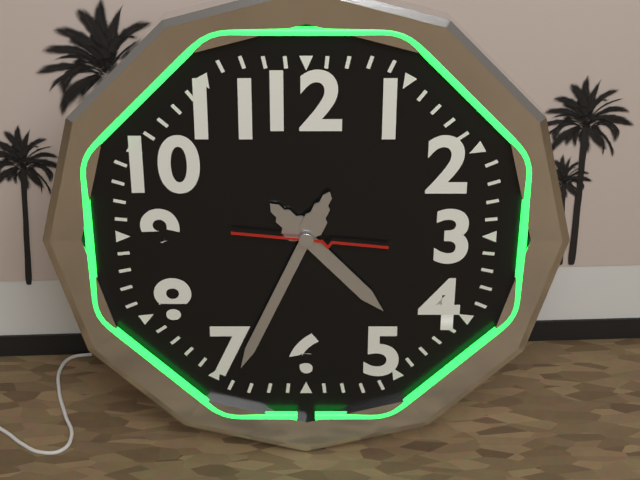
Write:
4,34,16
